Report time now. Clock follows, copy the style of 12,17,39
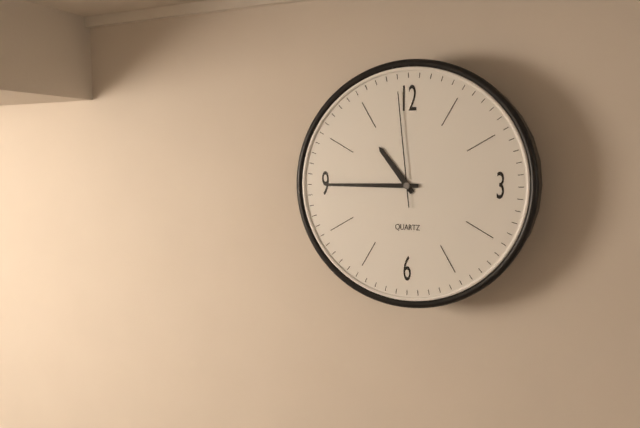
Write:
10,45,59
